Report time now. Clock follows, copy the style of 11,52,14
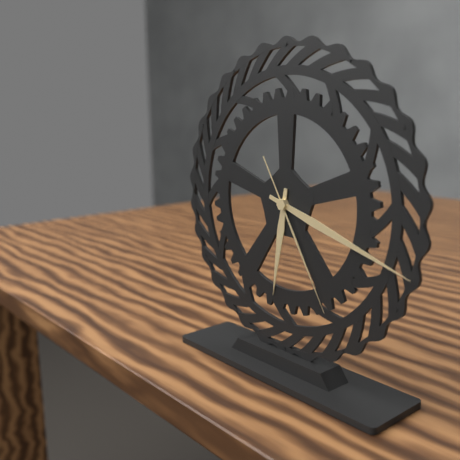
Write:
6,18,25
